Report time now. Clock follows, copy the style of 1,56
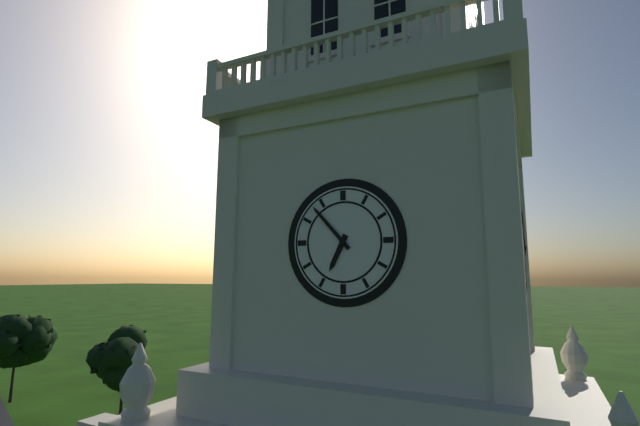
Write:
6,53
